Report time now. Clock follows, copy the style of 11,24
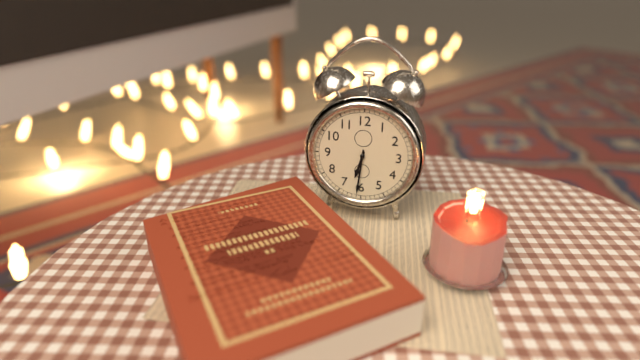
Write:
6,31
